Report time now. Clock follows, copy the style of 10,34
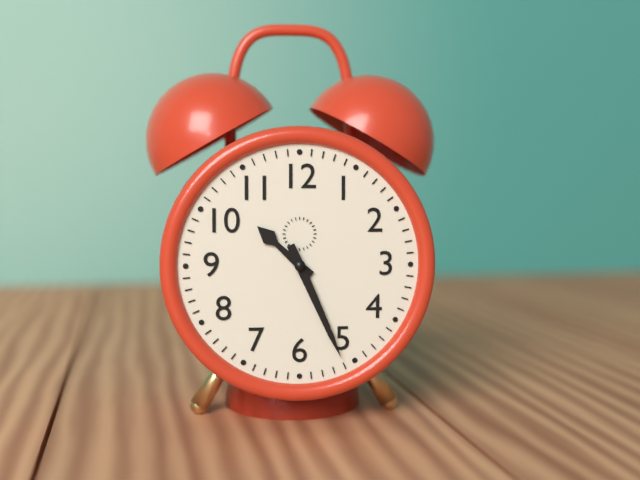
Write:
10,26
